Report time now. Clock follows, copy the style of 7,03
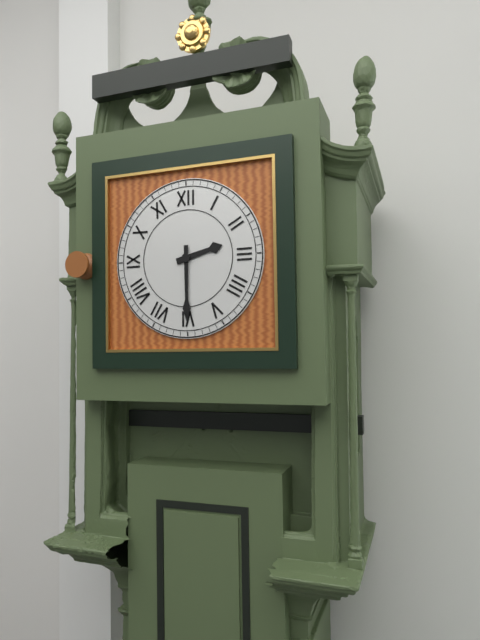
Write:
2,30
